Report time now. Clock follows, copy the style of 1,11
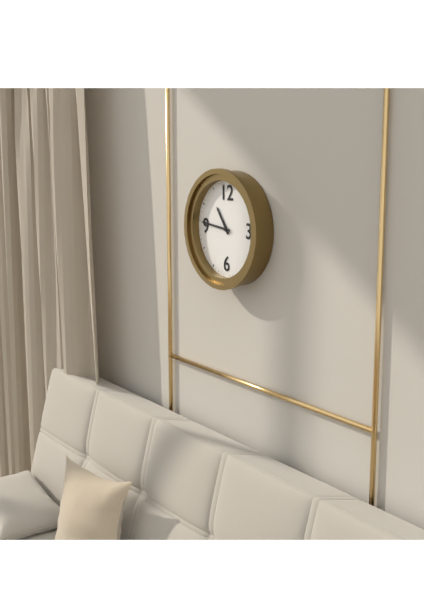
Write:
10,46
